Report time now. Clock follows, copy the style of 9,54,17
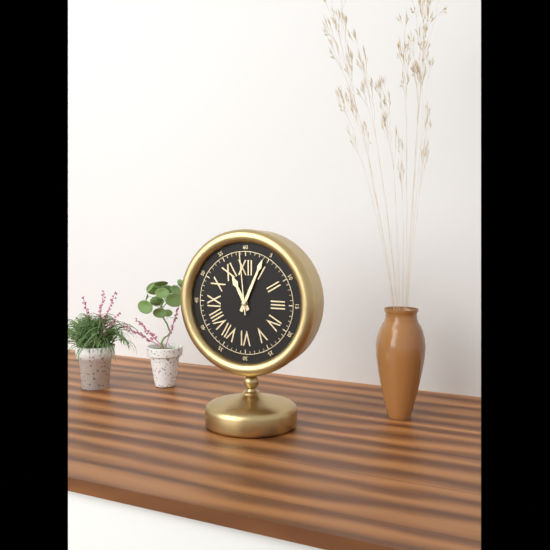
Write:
11,04,59
